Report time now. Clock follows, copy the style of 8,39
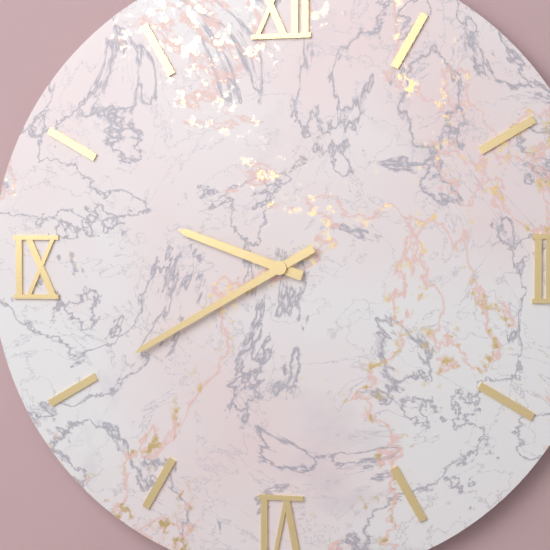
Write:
9,40
